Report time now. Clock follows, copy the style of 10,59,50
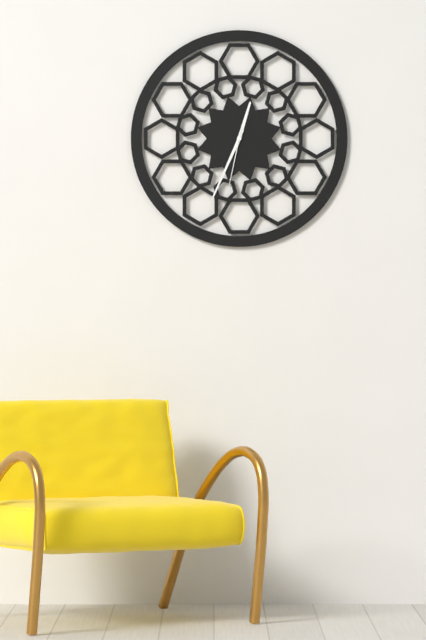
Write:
12,34,32
